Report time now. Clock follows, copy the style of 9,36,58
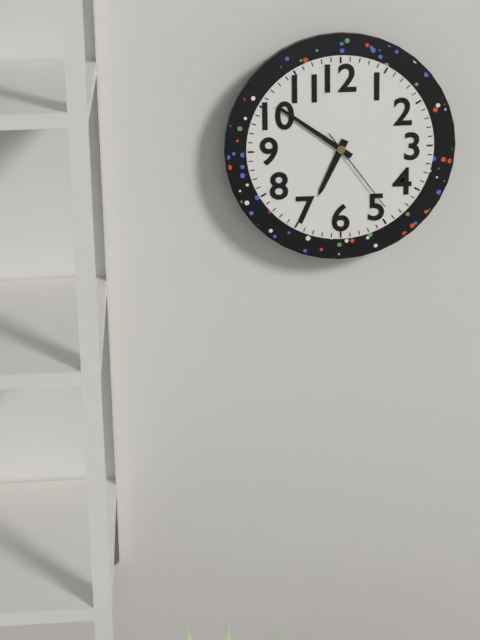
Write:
6,51,24
